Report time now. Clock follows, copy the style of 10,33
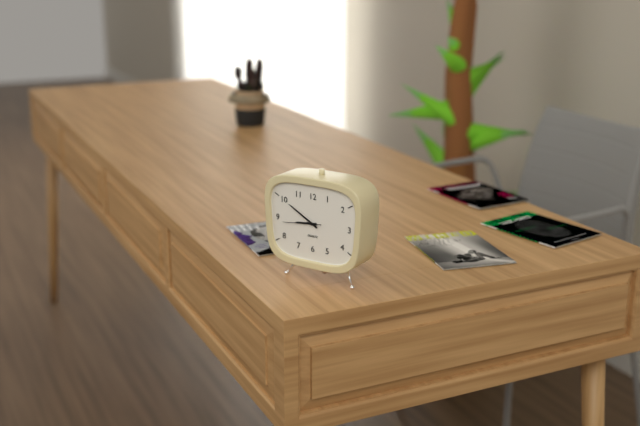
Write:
8,50
